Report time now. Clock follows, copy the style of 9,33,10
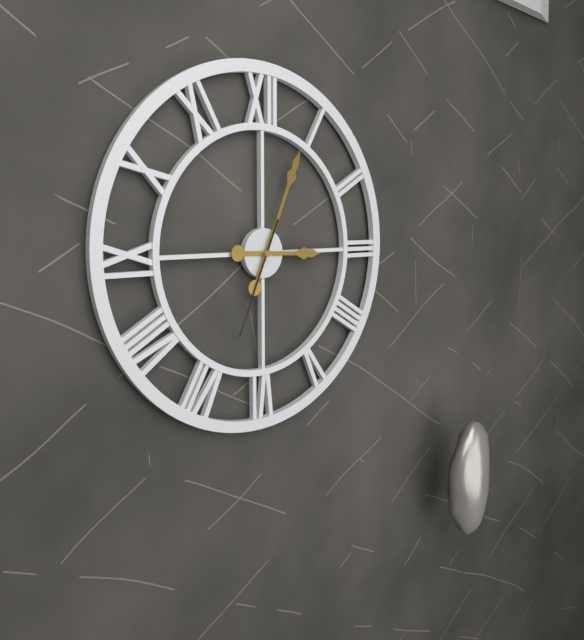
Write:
3,04,34
